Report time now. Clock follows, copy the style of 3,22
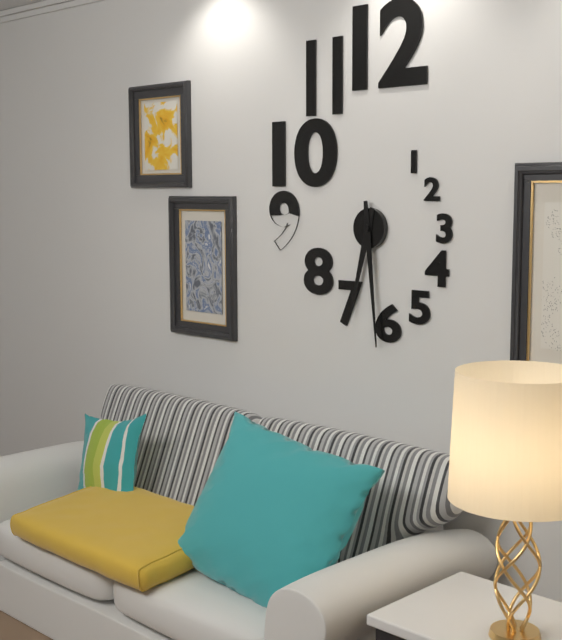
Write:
6,29
